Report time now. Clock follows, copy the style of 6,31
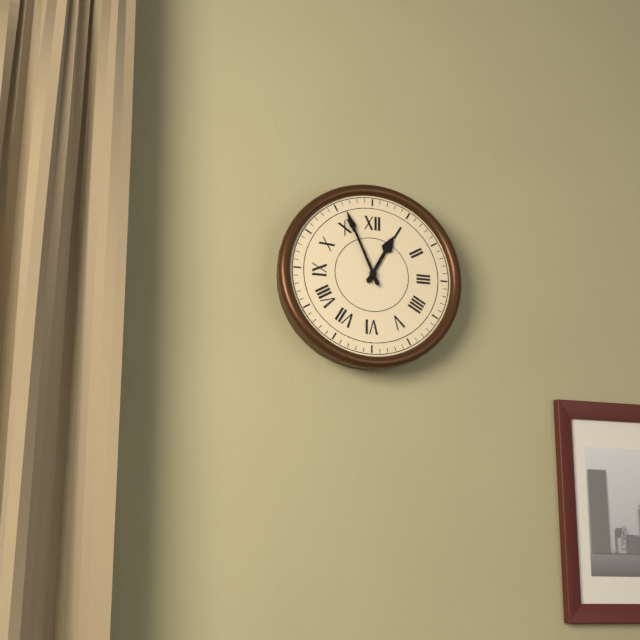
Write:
12,56
